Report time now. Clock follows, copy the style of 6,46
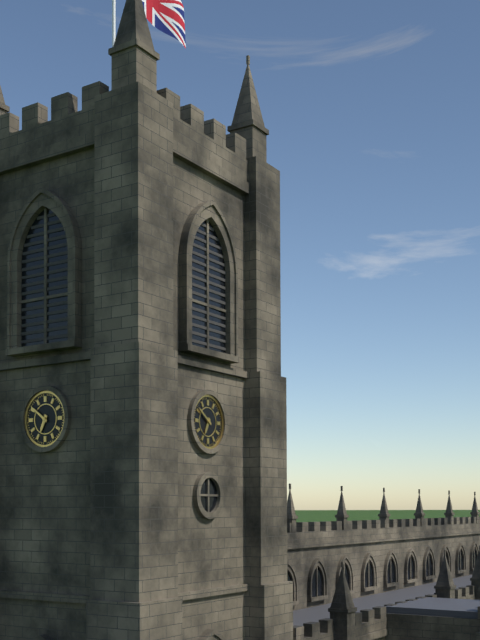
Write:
6,51
